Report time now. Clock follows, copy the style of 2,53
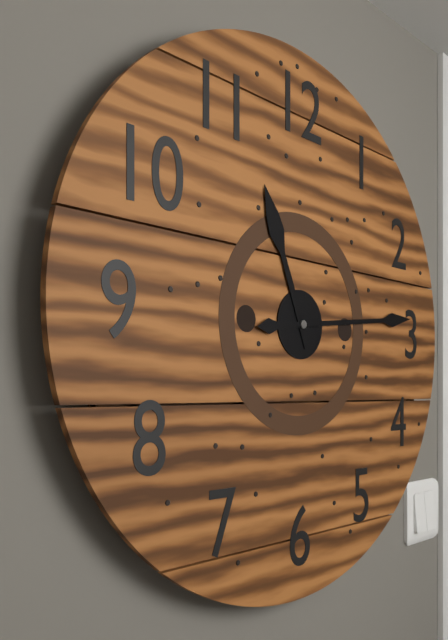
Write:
11,14
